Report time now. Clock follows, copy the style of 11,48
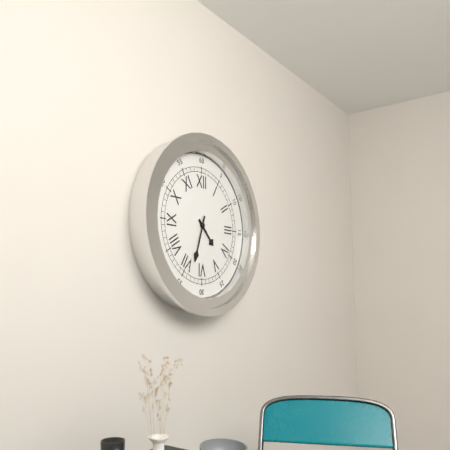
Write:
4,33
